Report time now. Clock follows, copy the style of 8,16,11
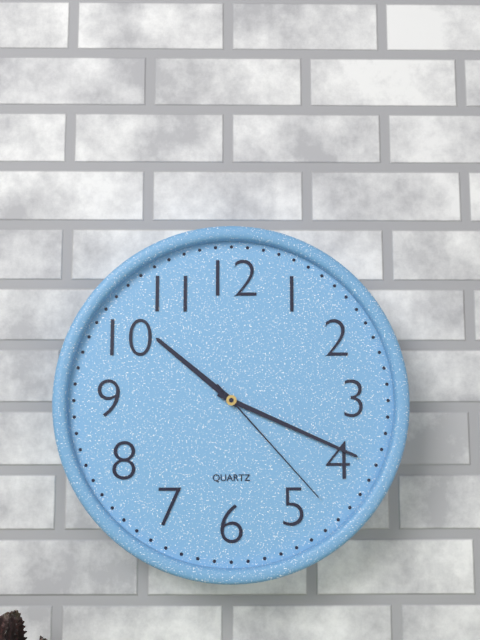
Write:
10,19,23
